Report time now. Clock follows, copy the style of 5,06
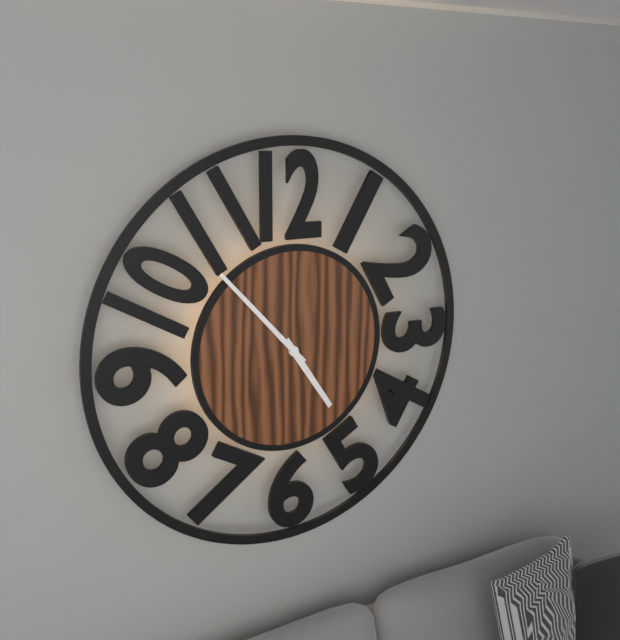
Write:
4,53
